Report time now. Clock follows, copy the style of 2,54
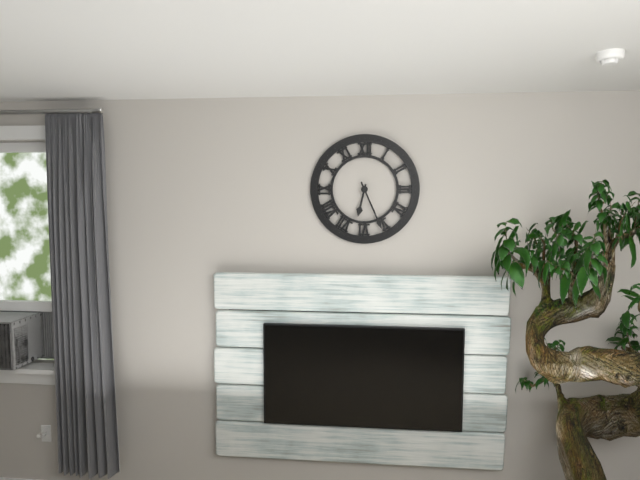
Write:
6,26
